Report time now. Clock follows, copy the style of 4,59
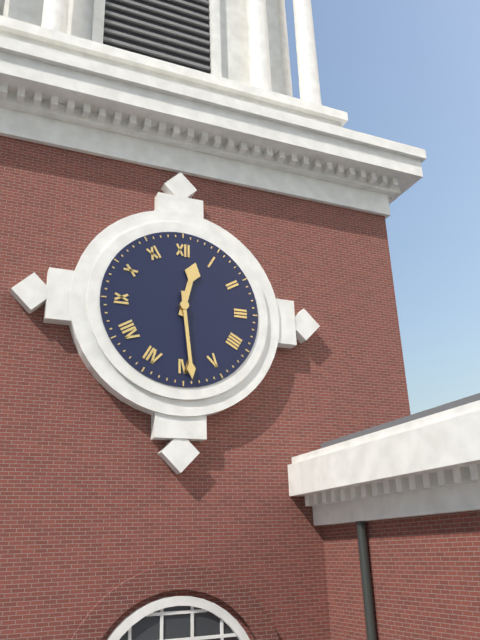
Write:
12,29
